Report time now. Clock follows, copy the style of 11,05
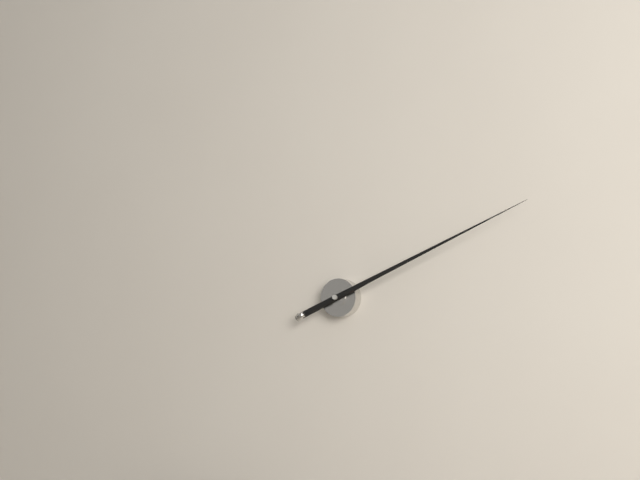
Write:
2,11
